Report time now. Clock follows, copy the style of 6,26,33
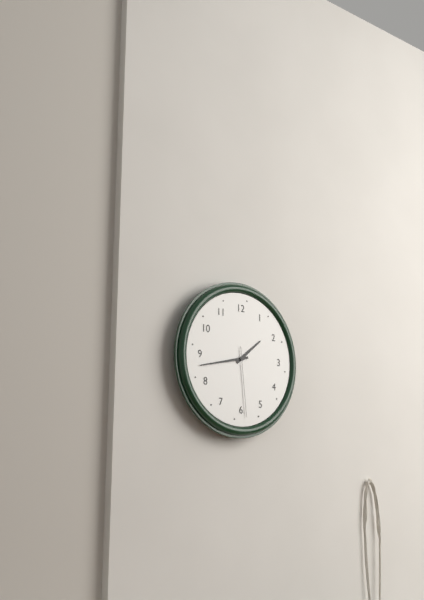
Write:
1,43,29
